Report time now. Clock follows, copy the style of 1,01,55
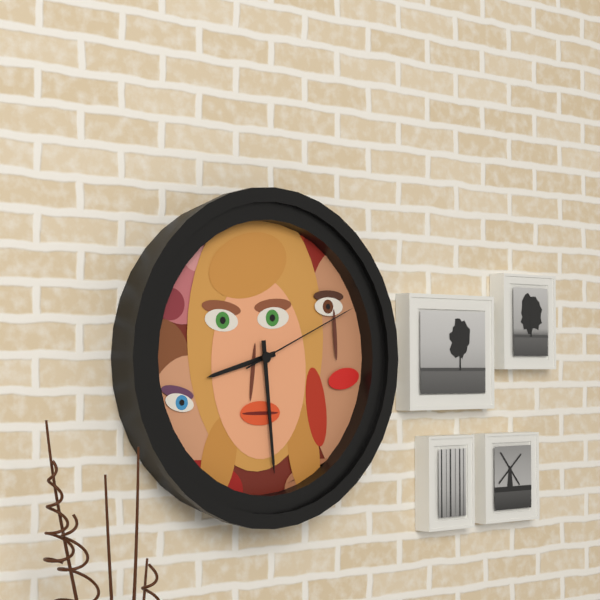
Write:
8,29,11
